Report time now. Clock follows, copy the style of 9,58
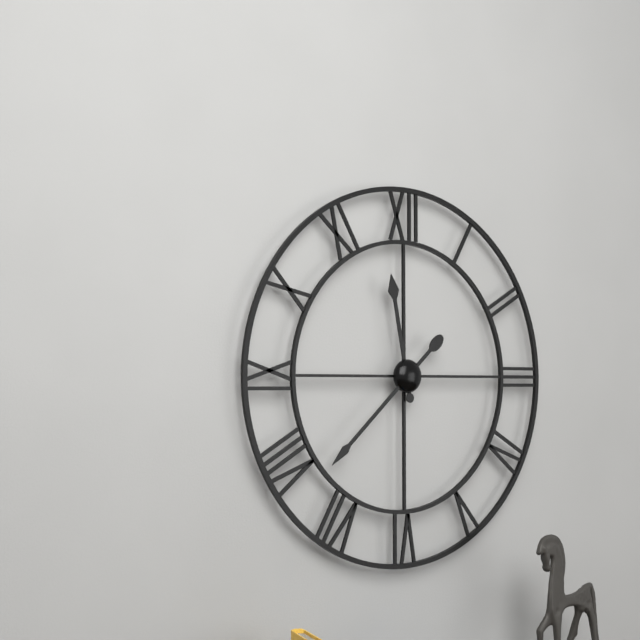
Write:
11,38
